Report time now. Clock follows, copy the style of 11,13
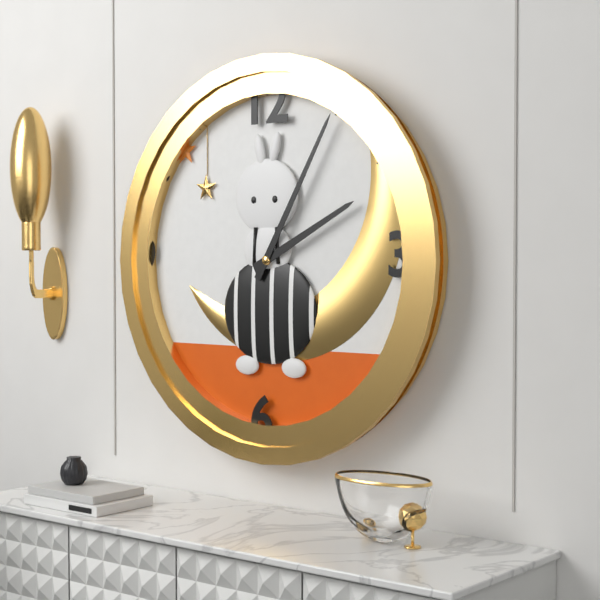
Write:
2,05
